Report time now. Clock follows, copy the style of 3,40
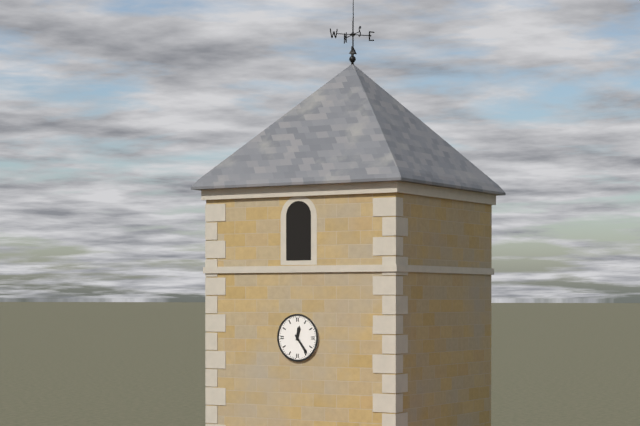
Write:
12,24
